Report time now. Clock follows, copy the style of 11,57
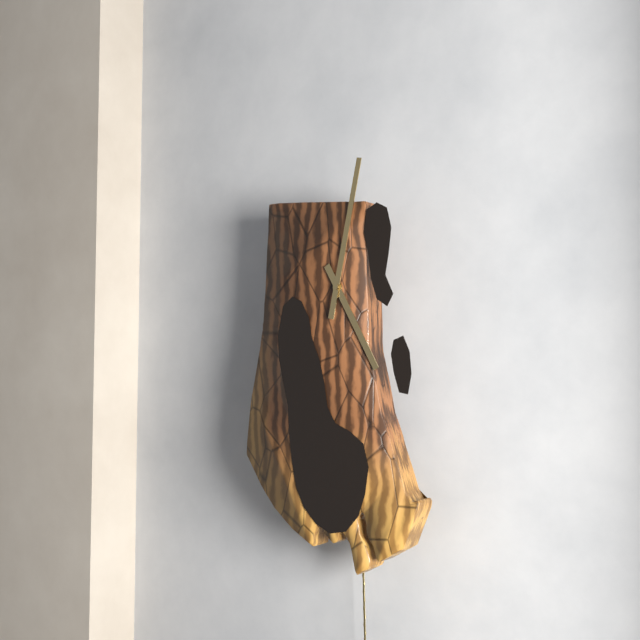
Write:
5,02
